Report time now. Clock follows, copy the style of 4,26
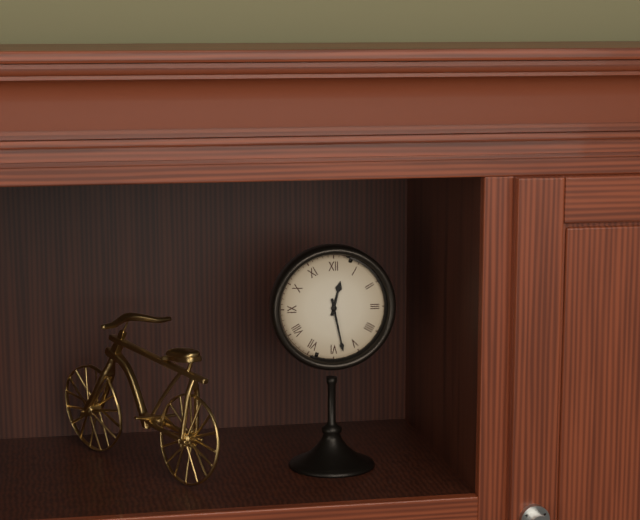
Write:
12,28
